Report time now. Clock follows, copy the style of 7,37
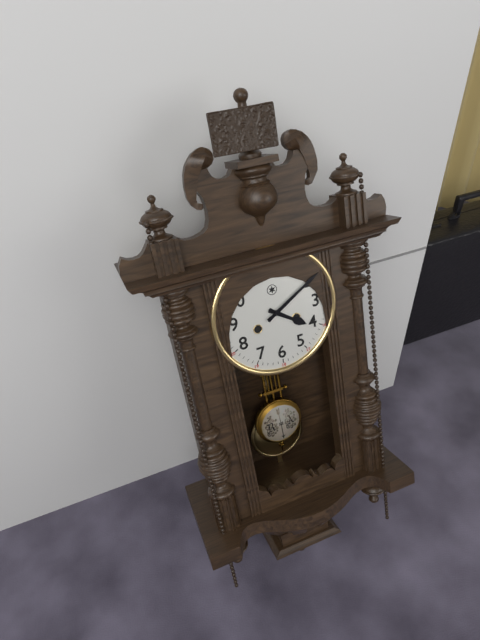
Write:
4,10
